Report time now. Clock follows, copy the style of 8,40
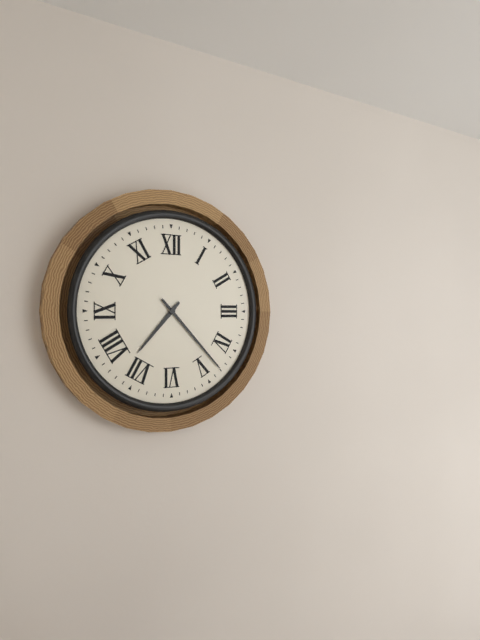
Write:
7,23
